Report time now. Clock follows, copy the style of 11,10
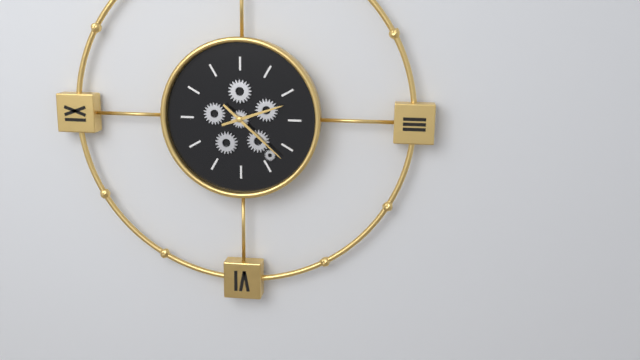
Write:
2,22
